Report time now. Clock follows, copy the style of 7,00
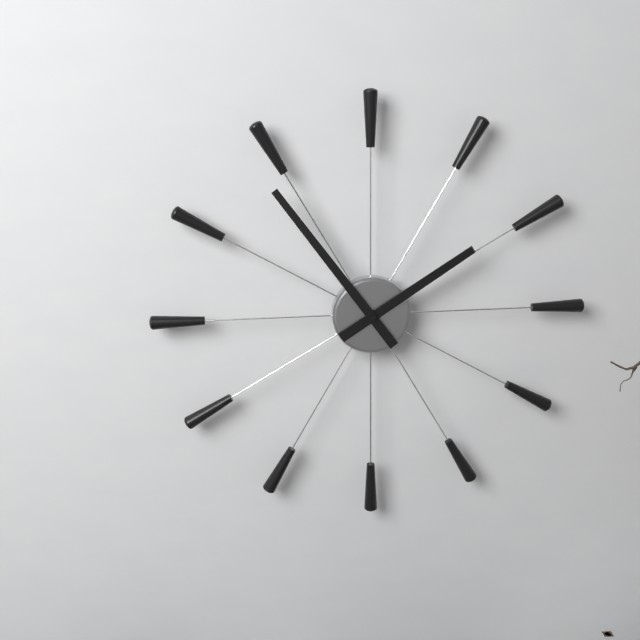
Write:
1,54
